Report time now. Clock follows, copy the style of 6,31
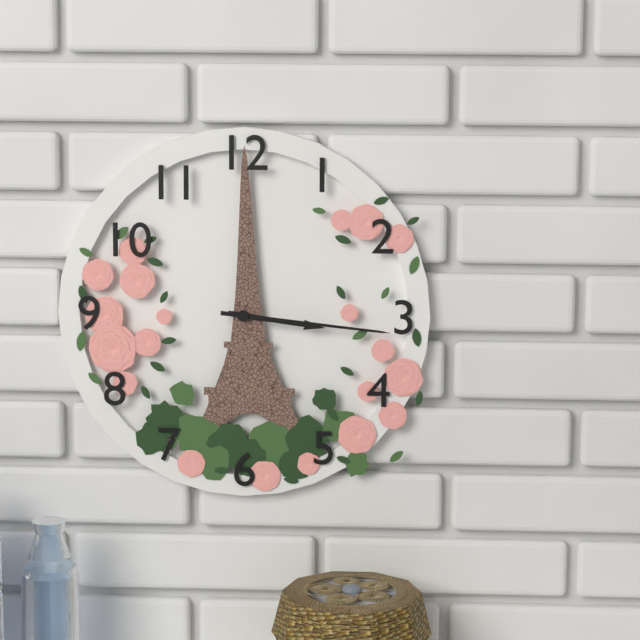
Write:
3,16
